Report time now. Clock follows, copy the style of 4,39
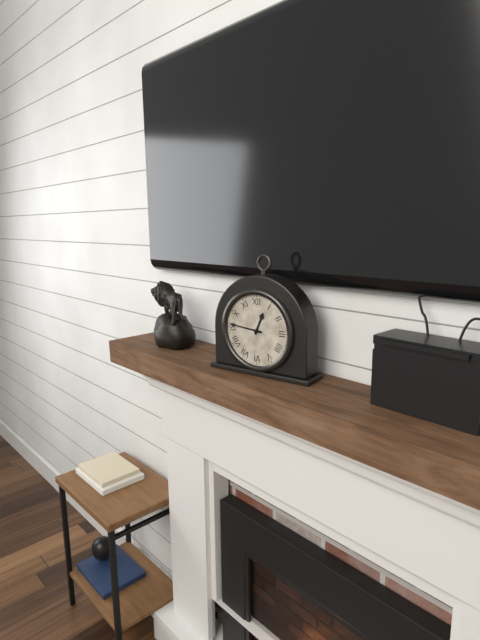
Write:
12,46
